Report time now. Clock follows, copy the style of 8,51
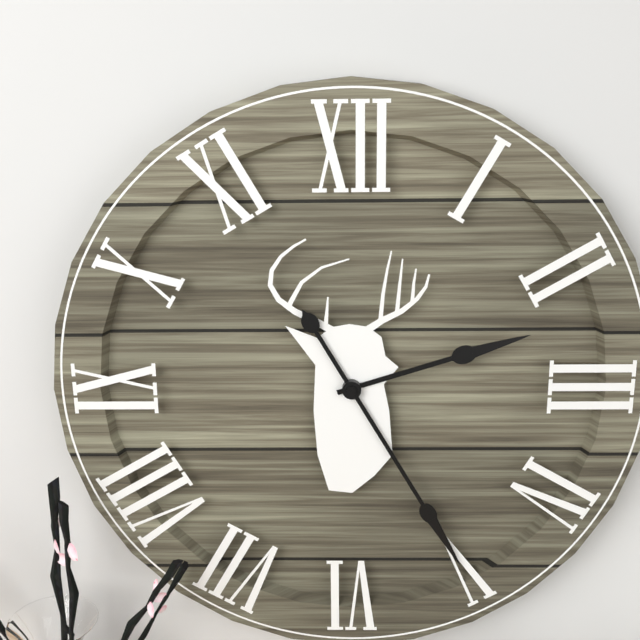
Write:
2,25
